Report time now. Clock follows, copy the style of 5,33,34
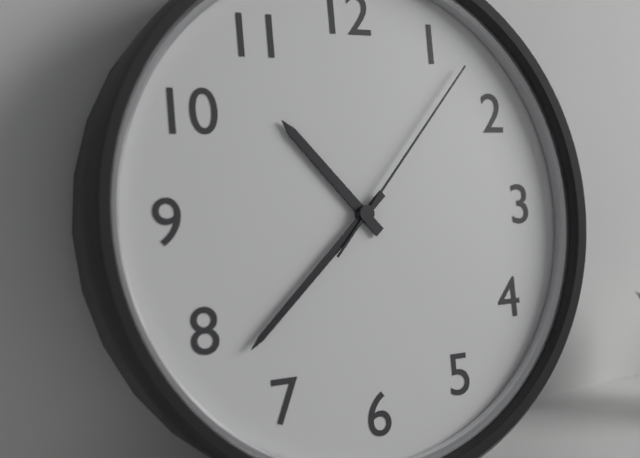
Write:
10,38,07
